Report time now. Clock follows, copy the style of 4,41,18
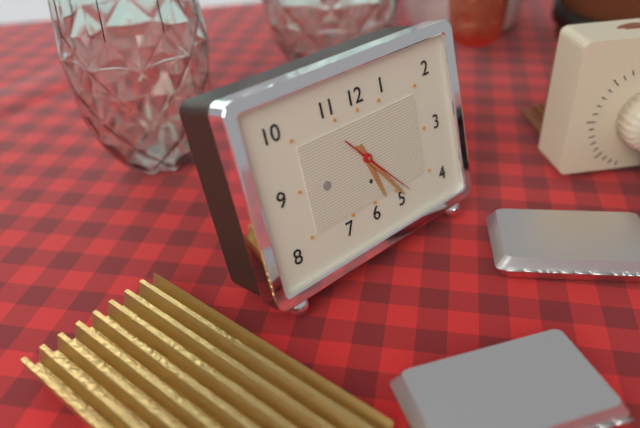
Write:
5,24,23
